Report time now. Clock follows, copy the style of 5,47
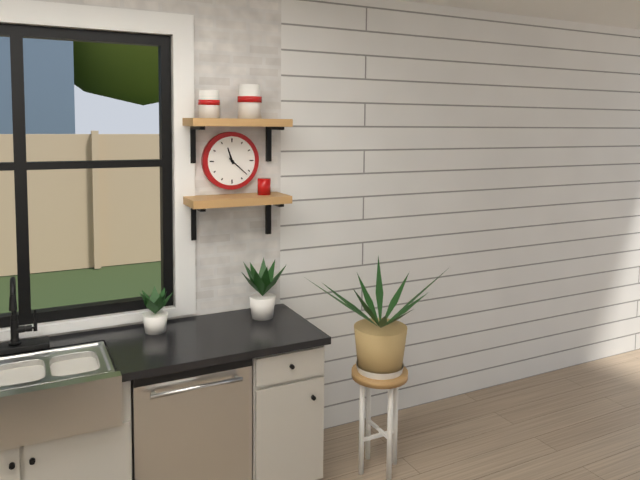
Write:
11,22
